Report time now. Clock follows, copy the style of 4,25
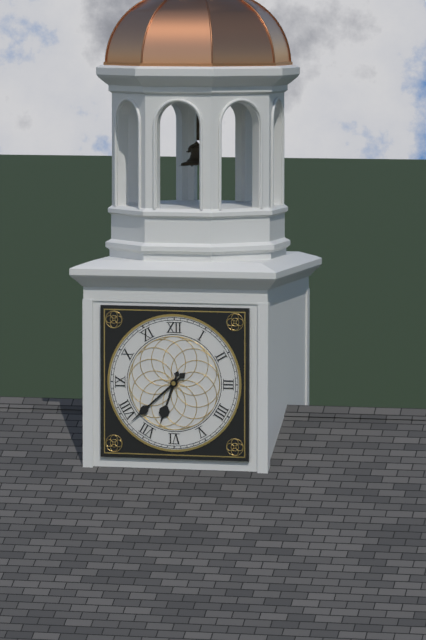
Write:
6,38
